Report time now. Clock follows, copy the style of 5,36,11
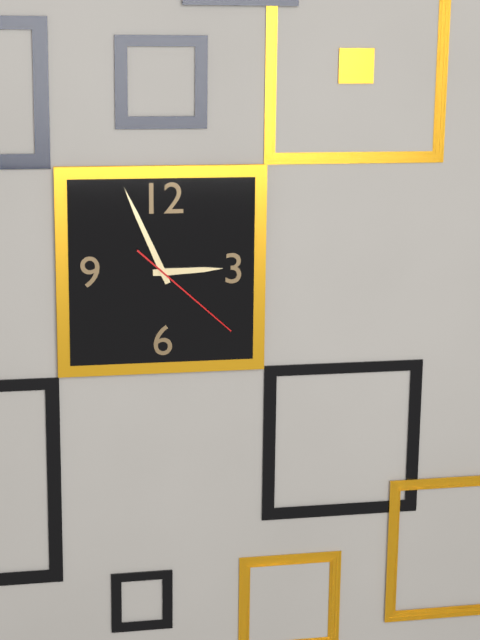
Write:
2,56,22
